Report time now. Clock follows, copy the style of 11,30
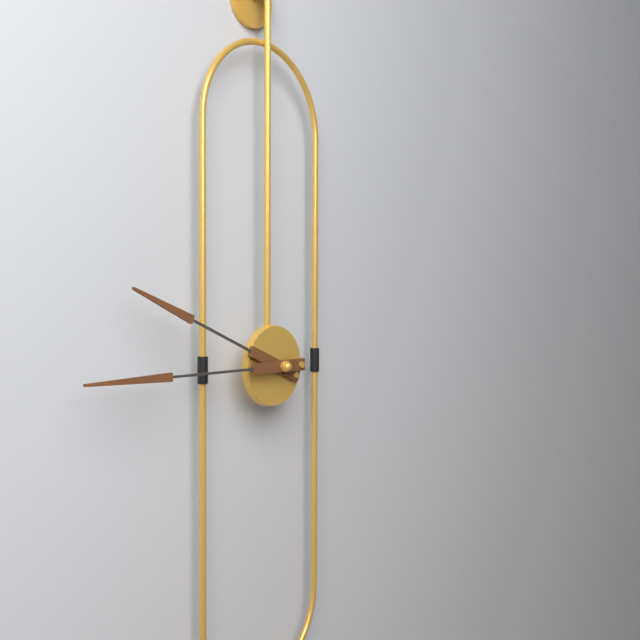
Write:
9,45
